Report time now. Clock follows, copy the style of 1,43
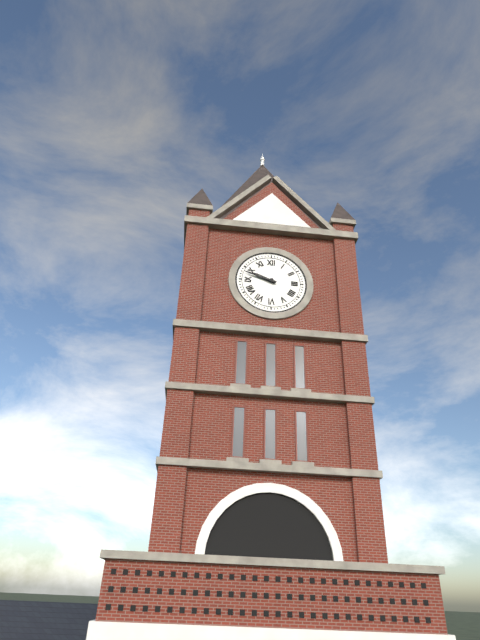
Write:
9,48
